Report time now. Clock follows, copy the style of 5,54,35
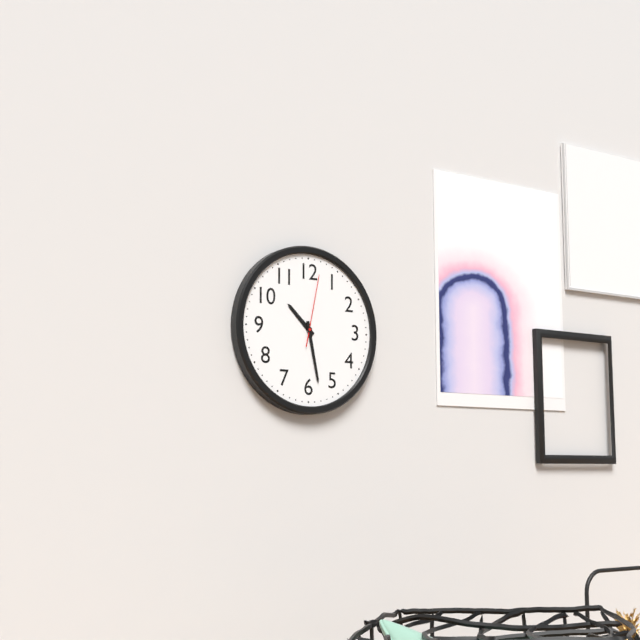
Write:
10,28,02
